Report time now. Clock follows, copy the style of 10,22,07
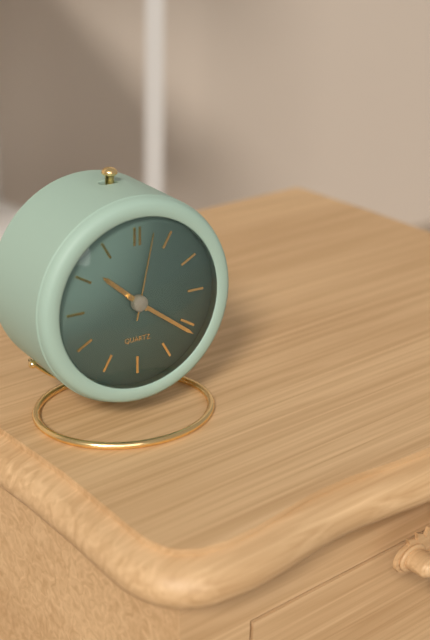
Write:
10,21,02
